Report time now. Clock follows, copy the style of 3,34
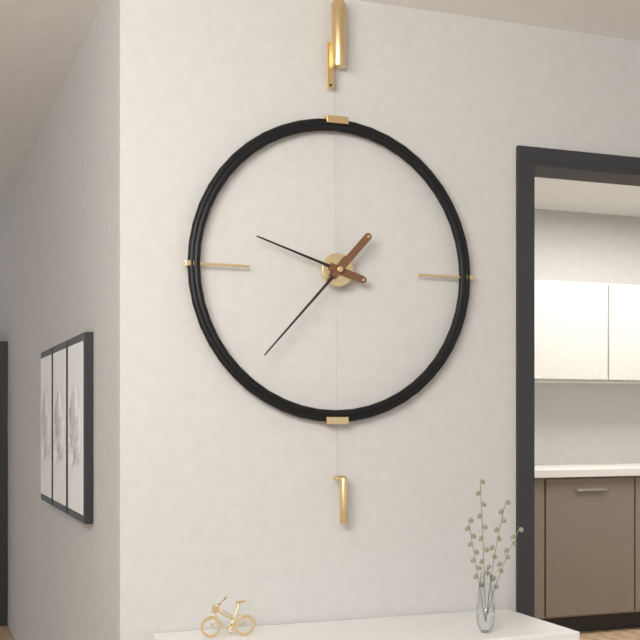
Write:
9,37
